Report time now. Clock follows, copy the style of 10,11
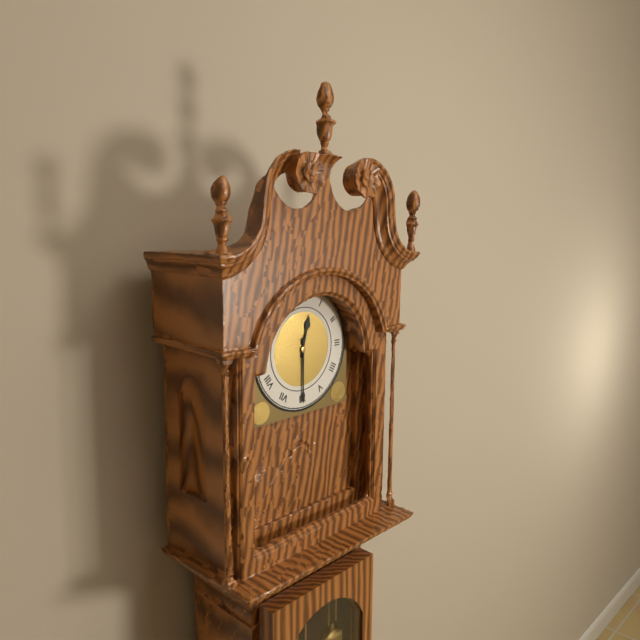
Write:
12,30
